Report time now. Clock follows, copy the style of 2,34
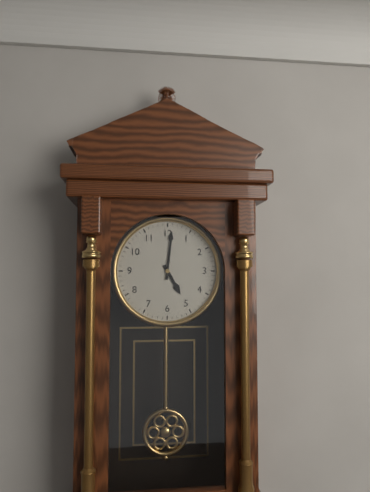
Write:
5,01
